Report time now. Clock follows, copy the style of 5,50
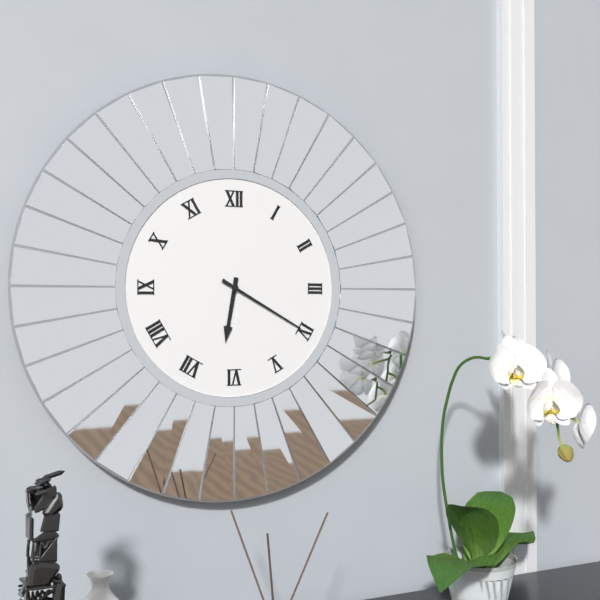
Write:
6,20
